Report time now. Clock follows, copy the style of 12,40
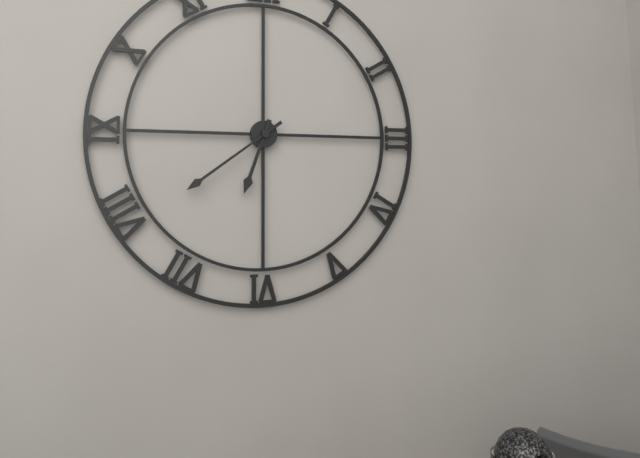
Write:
6,39
